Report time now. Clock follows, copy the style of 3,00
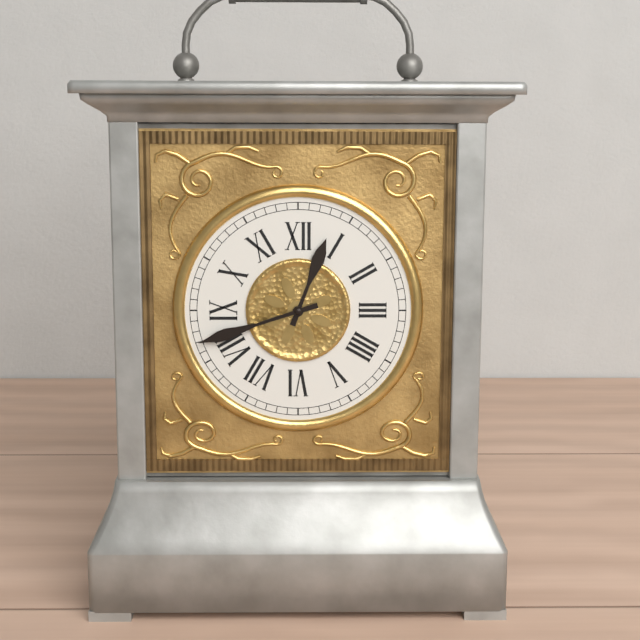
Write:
12,42
